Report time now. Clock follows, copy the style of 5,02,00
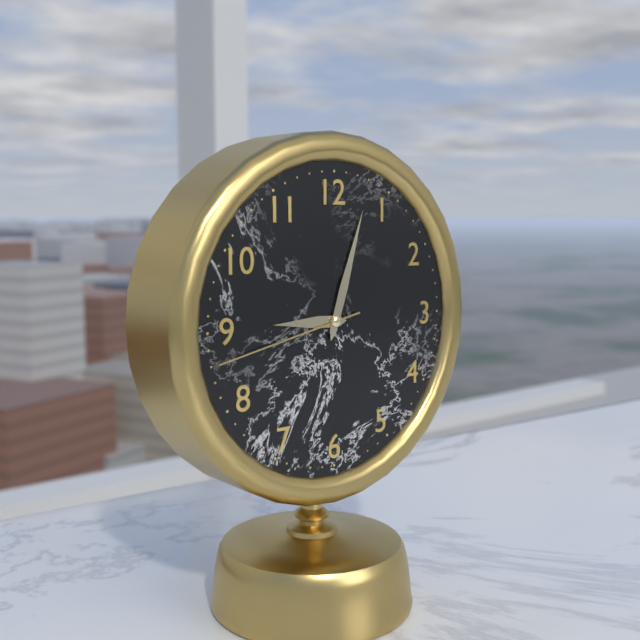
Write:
9,03,43
